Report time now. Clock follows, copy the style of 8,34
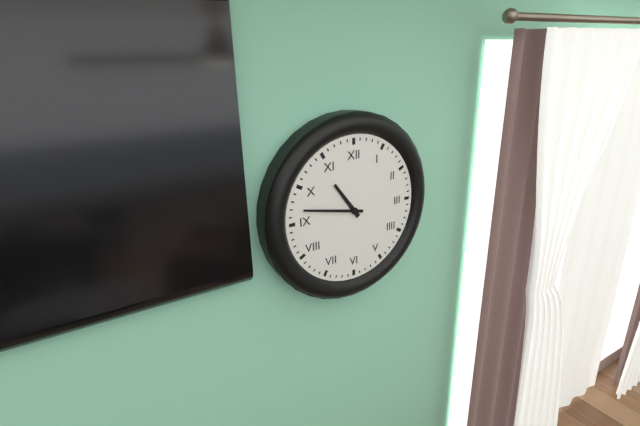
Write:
10,47
